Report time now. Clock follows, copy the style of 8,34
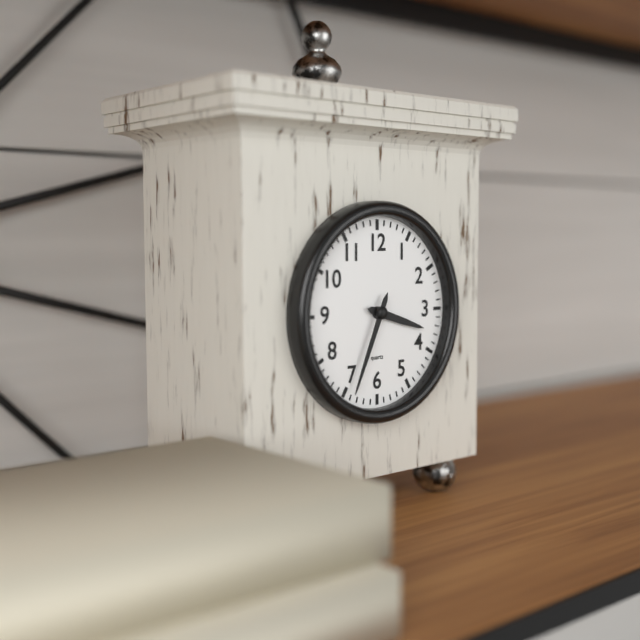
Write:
3,34
